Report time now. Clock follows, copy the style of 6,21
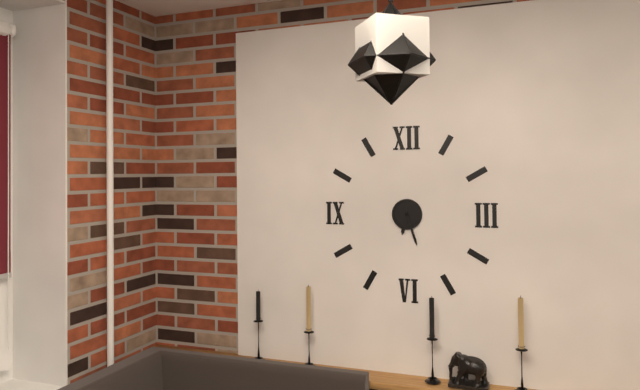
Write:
6,27
